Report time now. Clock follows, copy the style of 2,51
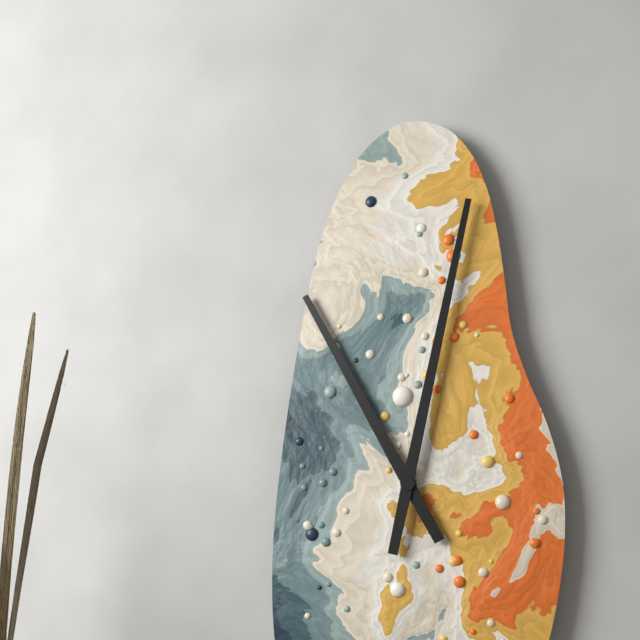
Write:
11,02
